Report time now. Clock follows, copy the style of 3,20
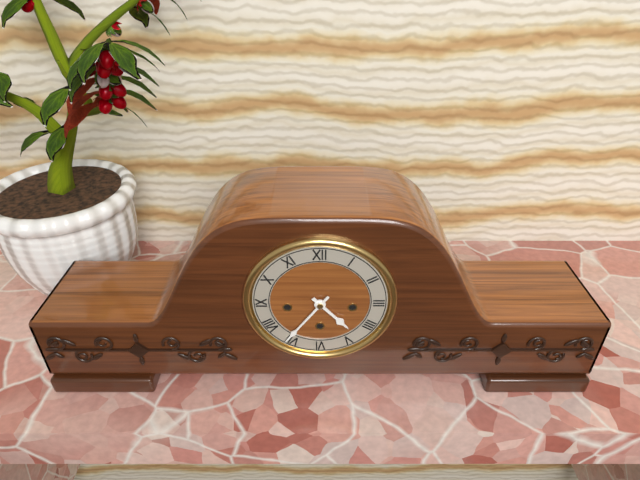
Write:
4,36
